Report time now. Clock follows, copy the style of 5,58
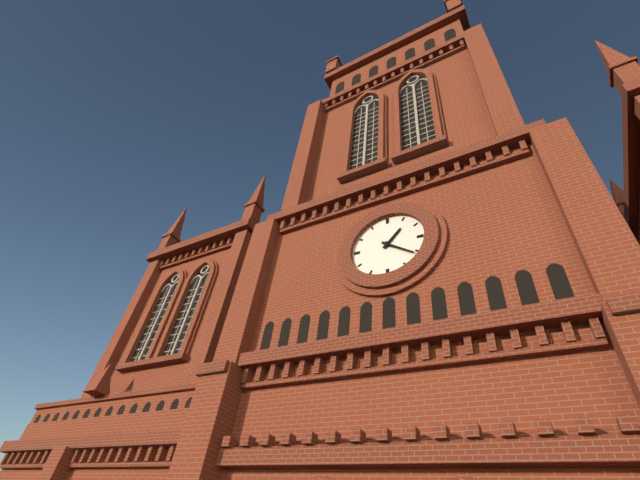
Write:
1,21
